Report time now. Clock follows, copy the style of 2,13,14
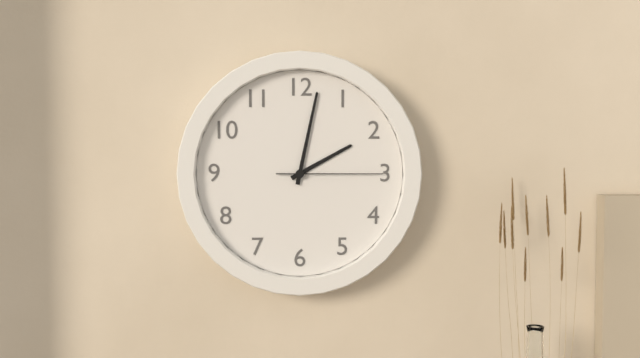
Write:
2,02,15
